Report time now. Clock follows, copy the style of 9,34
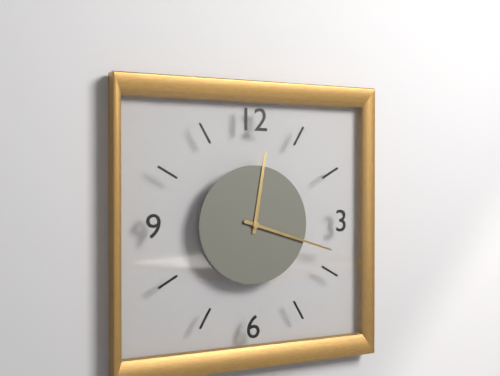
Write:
12,18
